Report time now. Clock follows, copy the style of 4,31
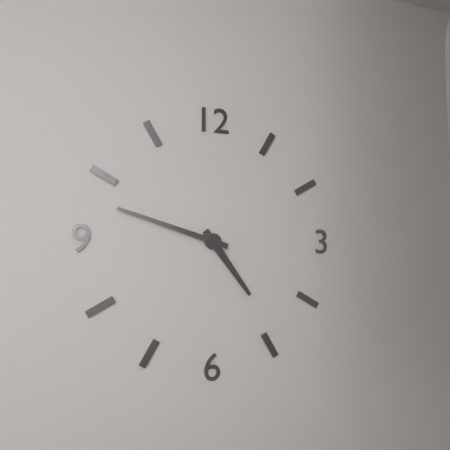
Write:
4,48
